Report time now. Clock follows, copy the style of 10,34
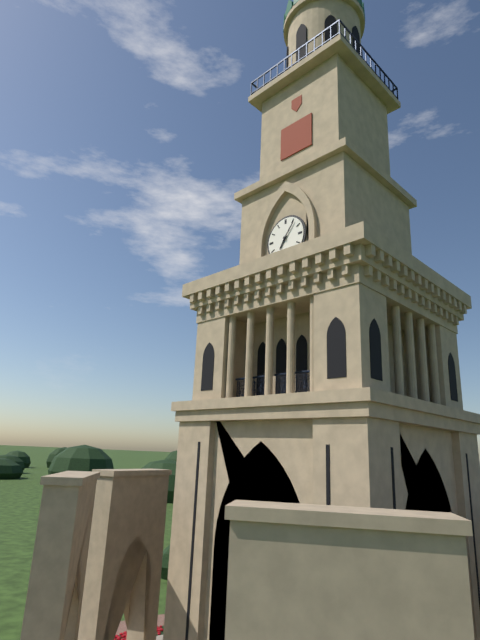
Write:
7,06
